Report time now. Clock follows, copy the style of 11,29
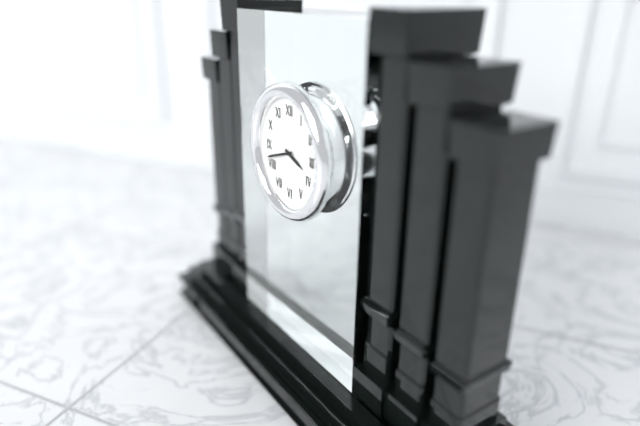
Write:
3,42
